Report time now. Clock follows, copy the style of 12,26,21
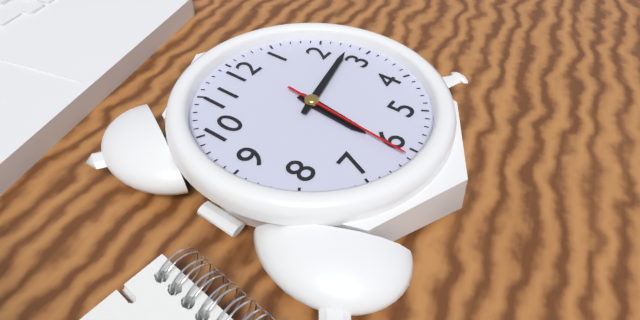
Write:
6,13,31
